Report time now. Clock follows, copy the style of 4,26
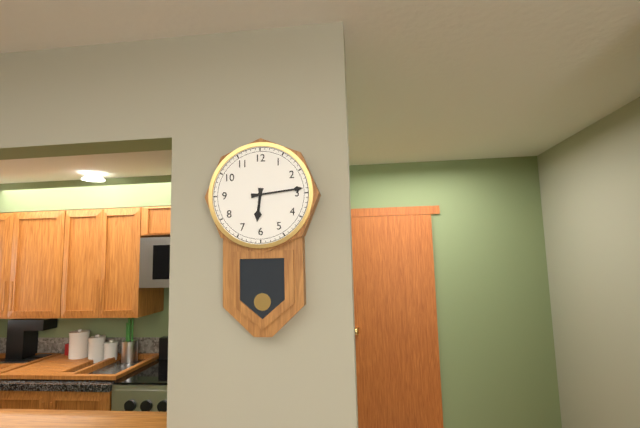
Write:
6,14
